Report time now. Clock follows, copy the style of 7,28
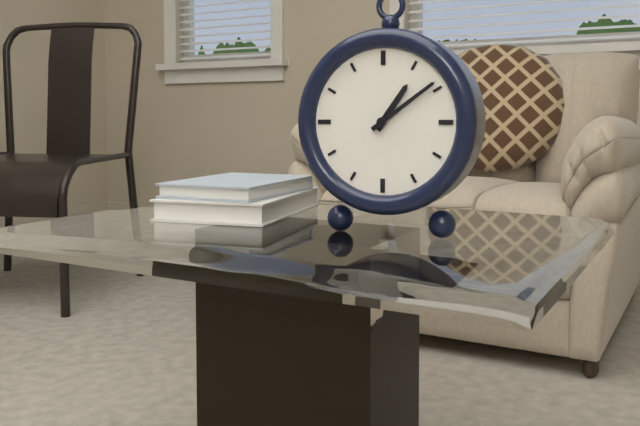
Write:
1,09
